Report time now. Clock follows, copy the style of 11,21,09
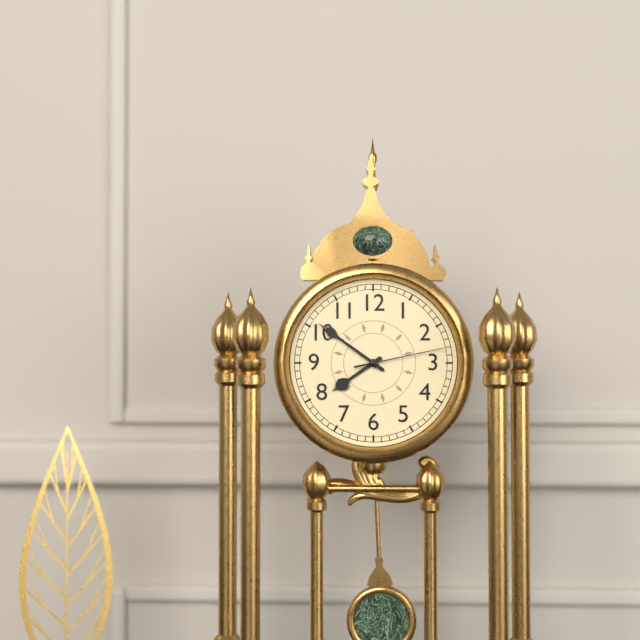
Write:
7,51,13
